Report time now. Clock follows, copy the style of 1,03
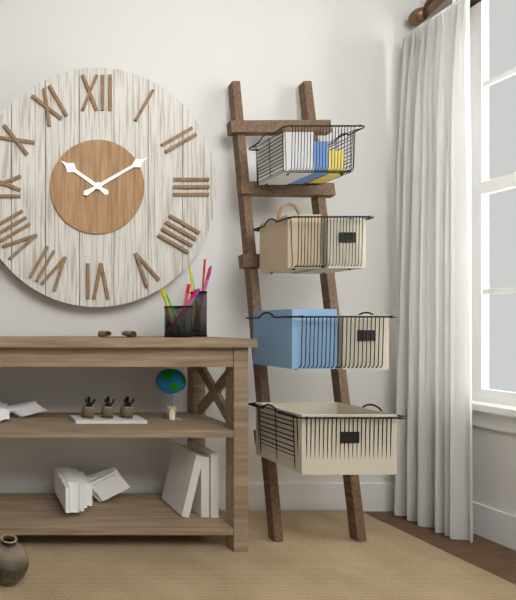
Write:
10,10
